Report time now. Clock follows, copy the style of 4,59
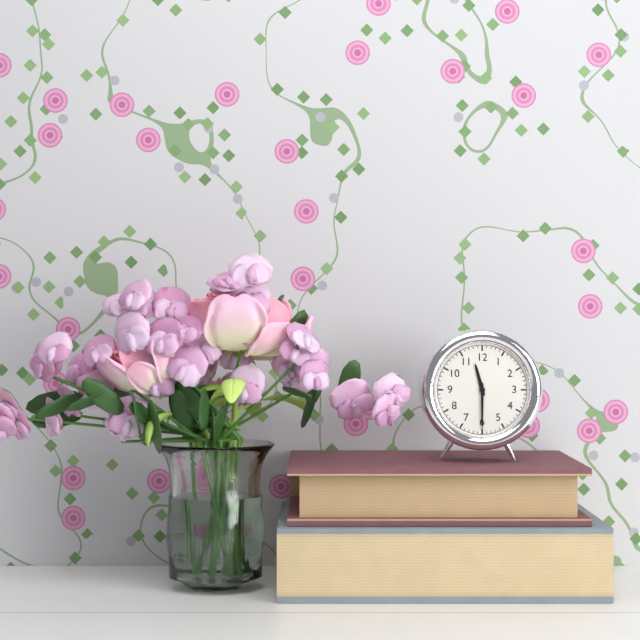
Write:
11,30
